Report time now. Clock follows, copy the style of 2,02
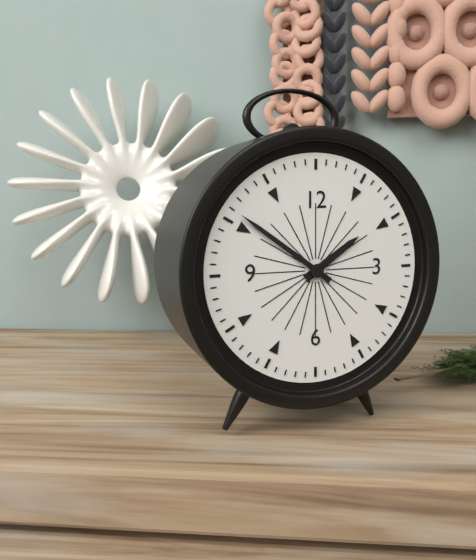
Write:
1,51
